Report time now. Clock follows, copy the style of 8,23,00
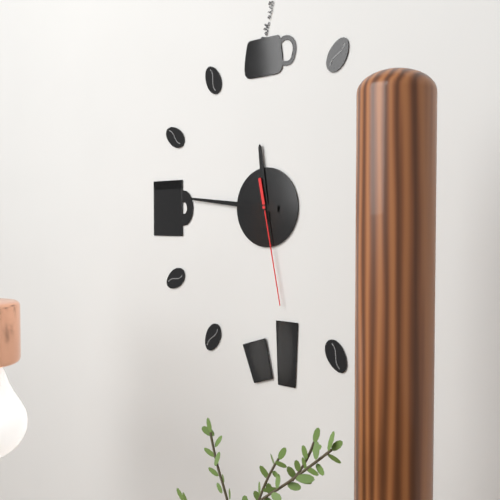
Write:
11,46,28
